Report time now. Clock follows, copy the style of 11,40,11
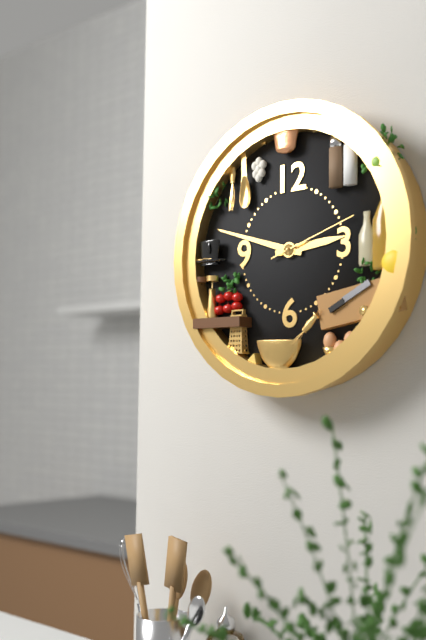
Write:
2,48,12
